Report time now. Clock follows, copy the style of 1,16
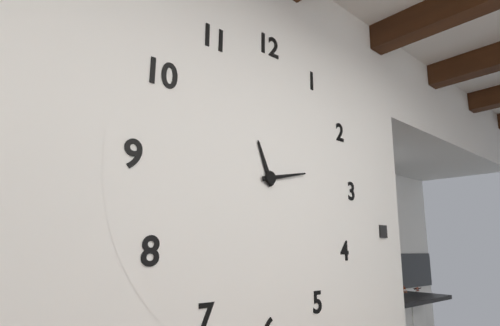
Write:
11,13
